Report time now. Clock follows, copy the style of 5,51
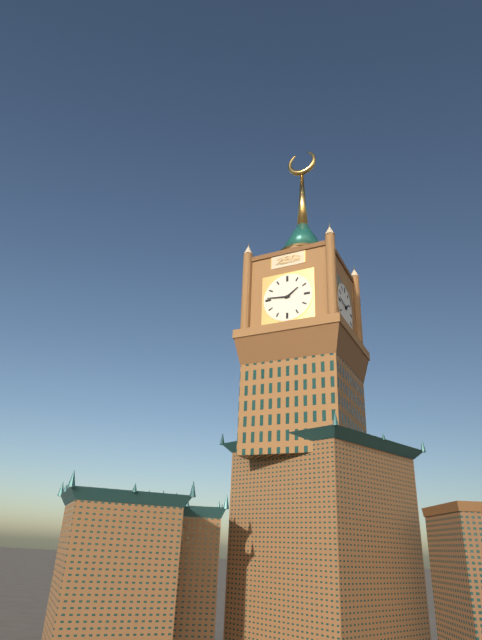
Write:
1,46
